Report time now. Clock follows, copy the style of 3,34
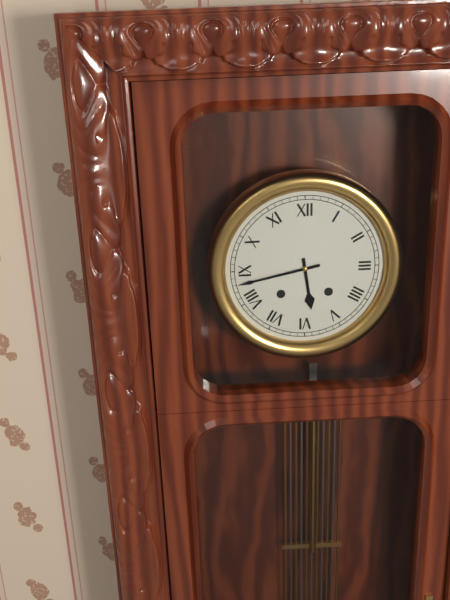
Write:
5,43
